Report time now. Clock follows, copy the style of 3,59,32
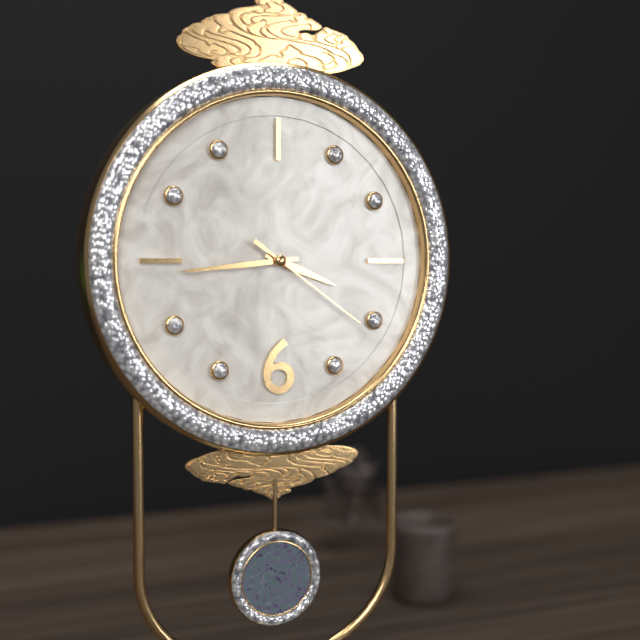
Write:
3,44,21
